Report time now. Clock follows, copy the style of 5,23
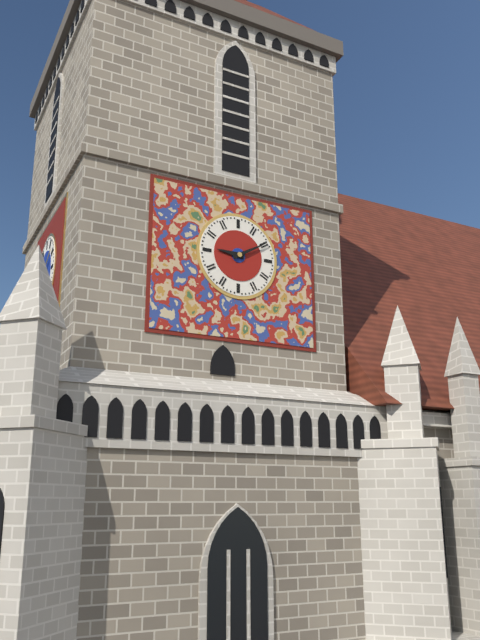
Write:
9,10
